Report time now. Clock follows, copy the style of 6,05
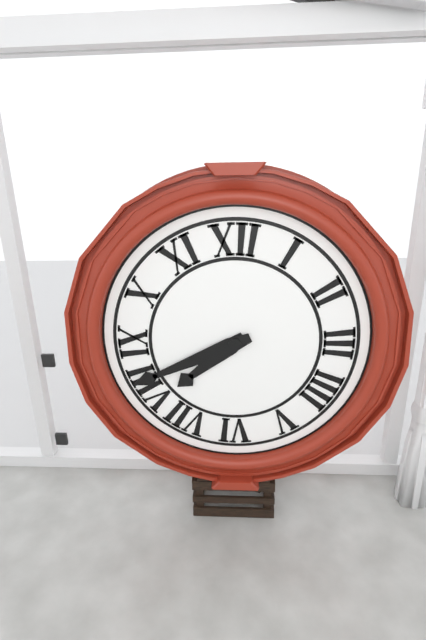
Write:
7,41
